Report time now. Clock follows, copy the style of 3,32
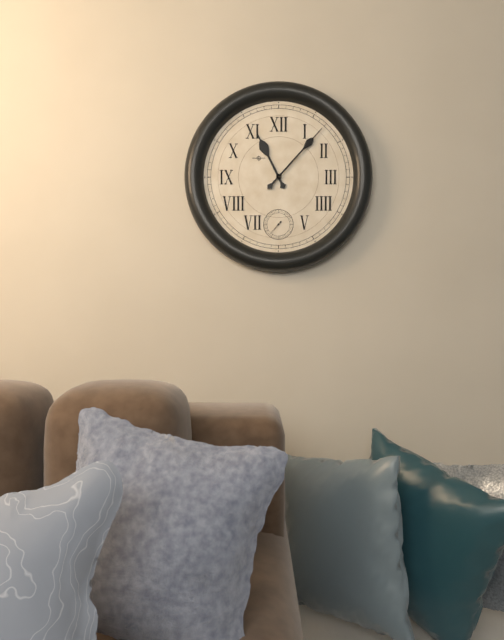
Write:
11,07
